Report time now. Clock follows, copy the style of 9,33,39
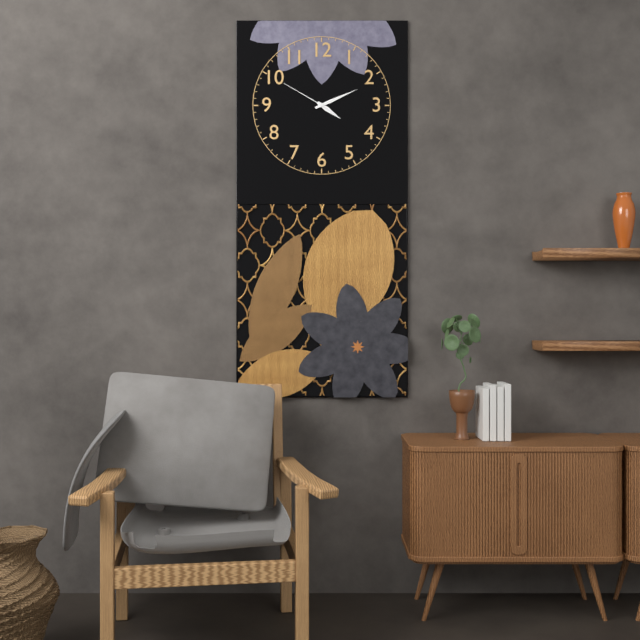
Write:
4,11,50
